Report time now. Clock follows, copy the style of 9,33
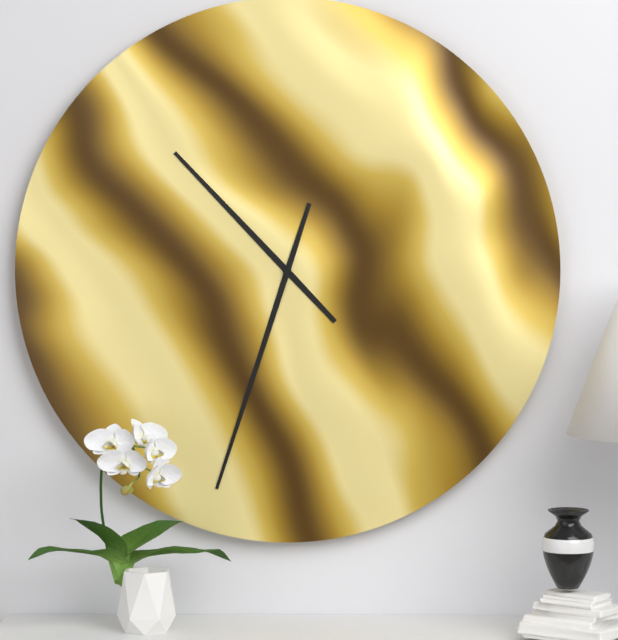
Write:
10,33
